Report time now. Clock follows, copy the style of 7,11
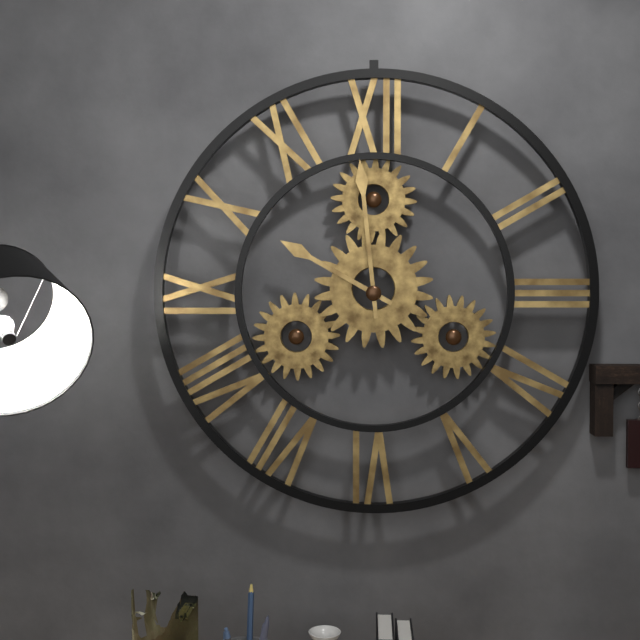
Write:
9,59
